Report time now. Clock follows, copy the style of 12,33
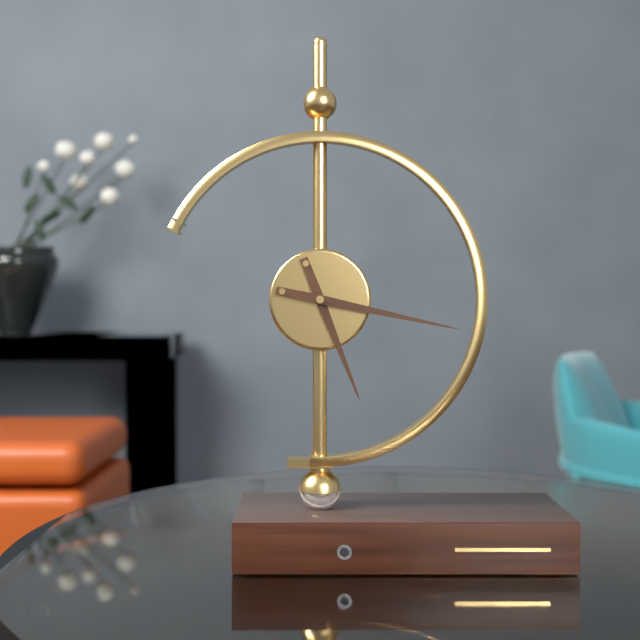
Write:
5,17
